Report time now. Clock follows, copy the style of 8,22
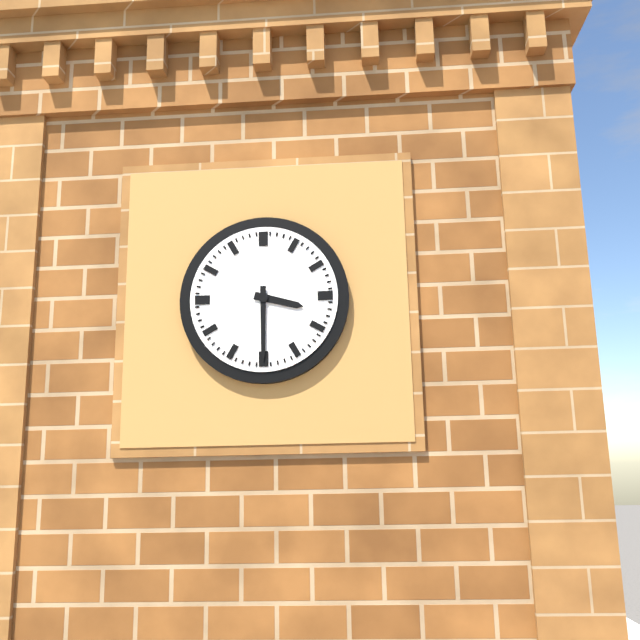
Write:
3,30
